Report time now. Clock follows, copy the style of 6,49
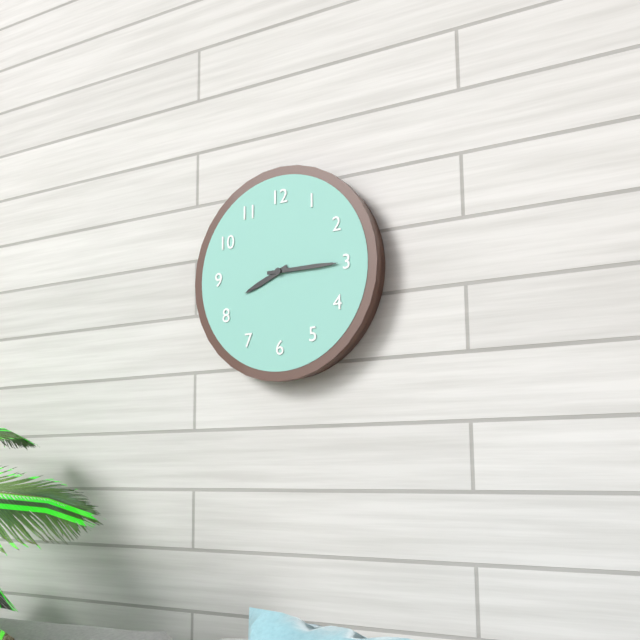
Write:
8,15
